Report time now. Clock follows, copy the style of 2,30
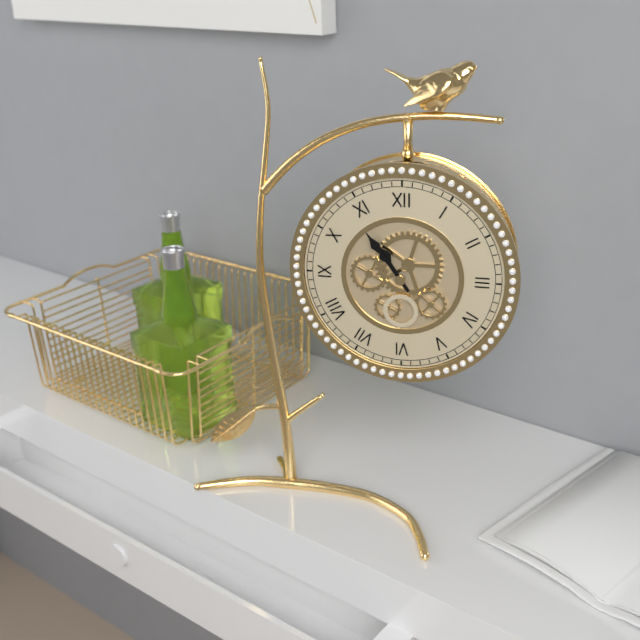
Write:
10,54
